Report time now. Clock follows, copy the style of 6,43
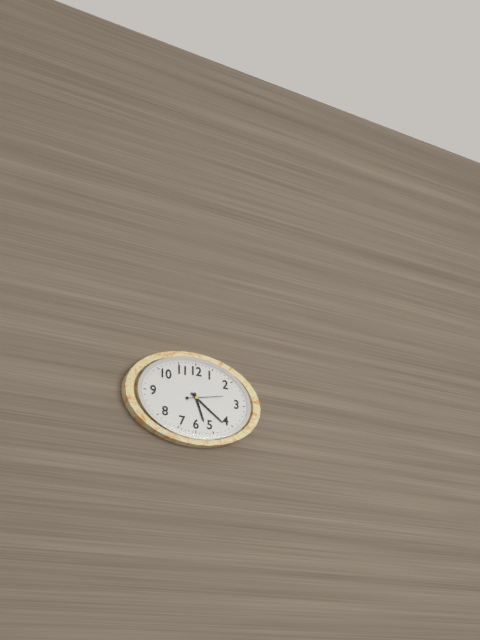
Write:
5,21
